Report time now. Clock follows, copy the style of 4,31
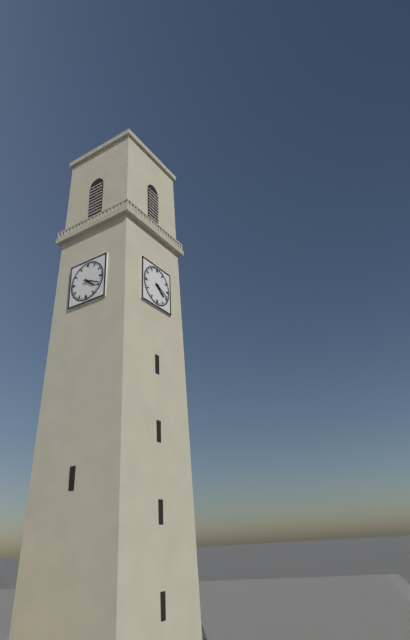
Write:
4,19
